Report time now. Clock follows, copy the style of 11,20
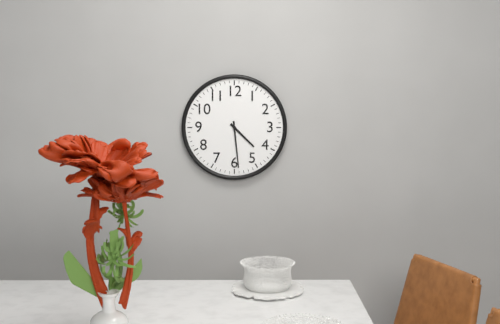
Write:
4,29
